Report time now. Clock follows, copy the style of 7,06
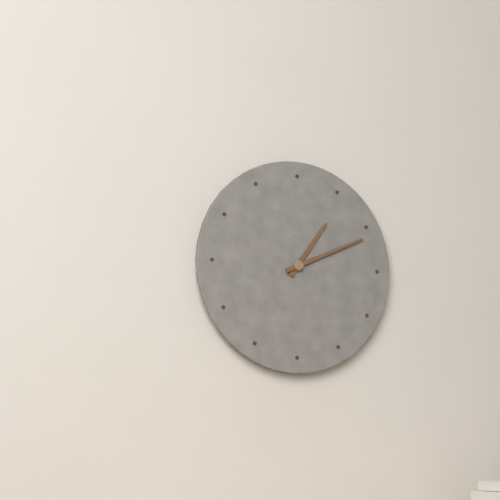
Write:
1,11
